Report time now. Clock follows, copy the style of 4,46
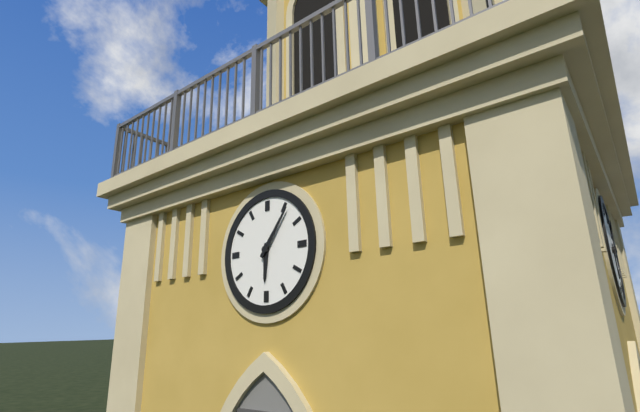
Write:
6,06
